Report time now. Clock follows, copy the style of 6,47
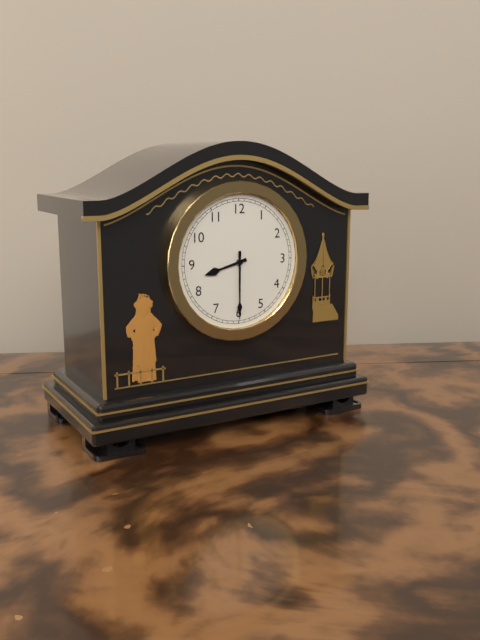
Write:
8,30
